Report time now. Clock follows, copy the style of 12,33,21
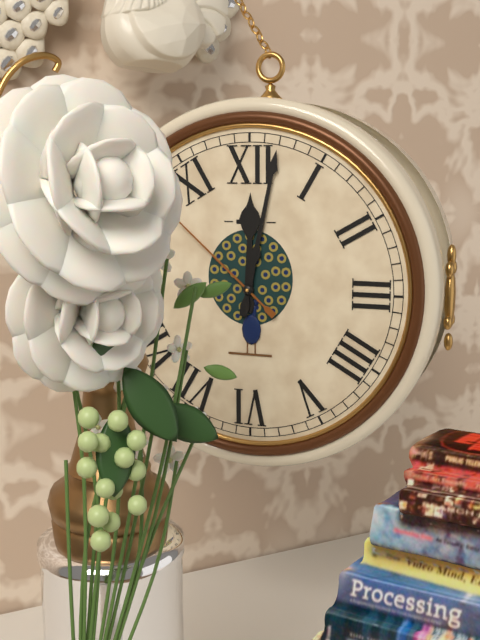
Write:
12,02,52
